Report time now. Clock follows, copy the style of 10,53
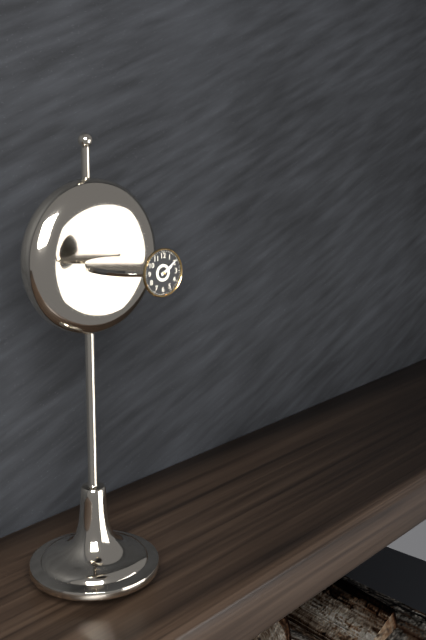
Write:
2,09
